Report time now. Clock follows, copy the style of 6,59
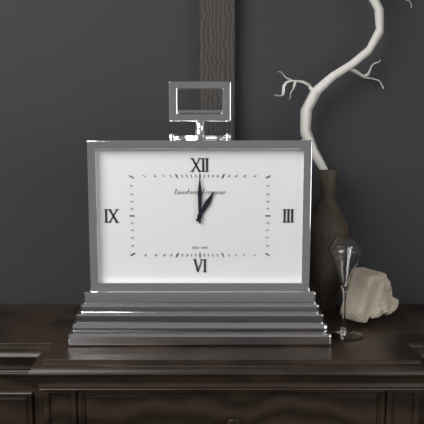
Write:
1,00
